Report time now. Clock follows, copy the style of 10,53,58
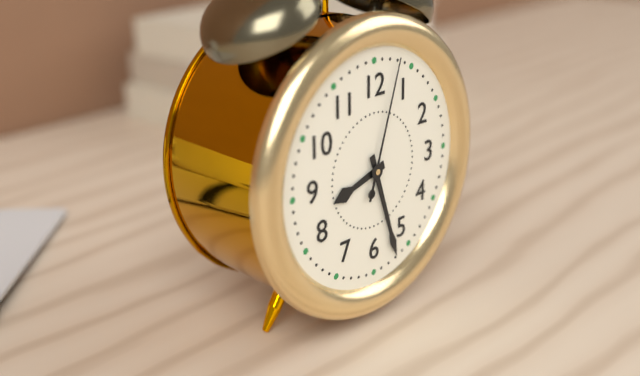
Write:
8,27,03
